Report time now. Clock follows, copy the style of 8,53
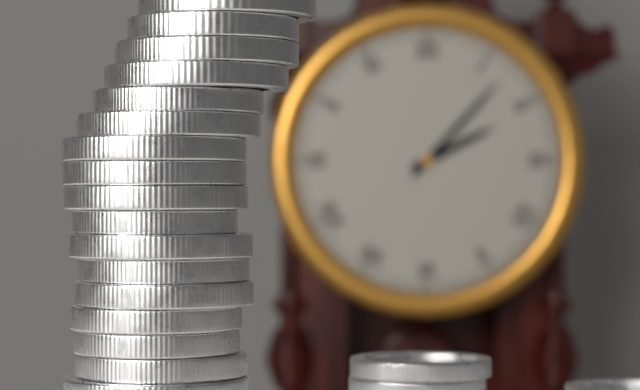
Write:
2,07
